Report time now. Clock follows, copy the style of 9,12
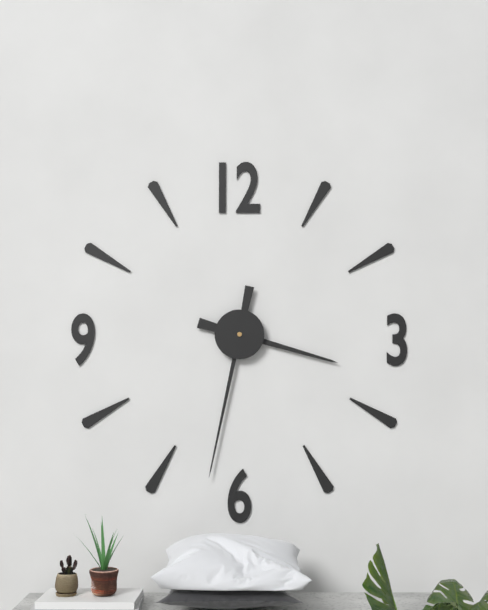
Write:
3,32
